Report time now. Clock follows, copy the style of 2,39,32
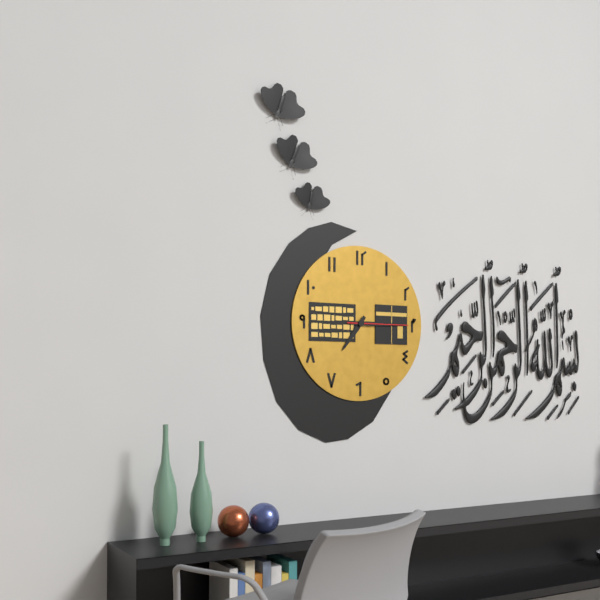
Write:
7,15,15
